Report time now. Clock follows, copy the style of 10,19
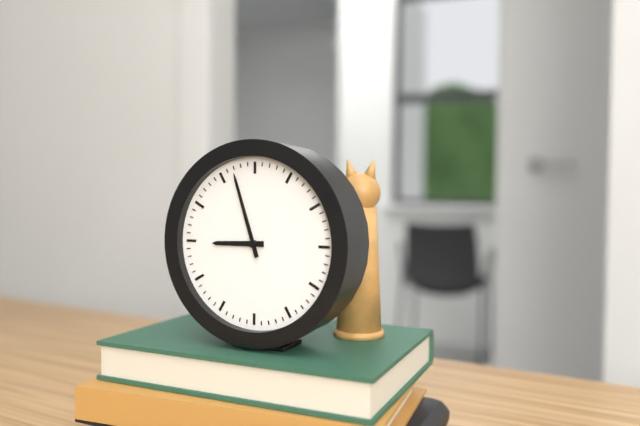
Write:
8,57
